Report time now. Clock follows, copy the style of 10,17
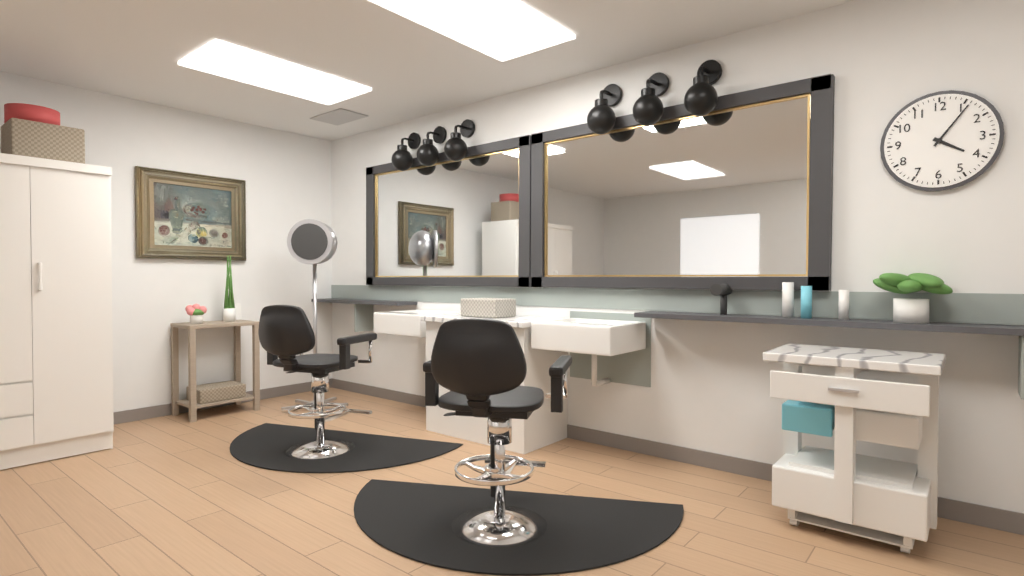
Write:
4,06
